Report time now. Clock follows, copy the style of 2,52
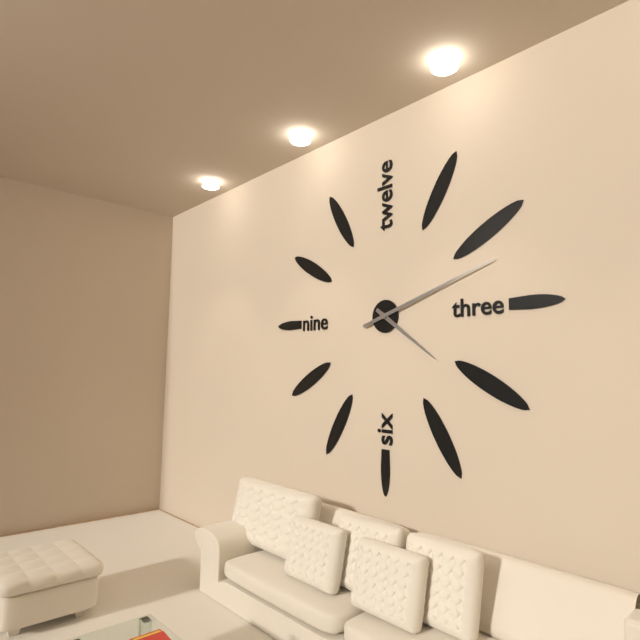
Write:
4,12
